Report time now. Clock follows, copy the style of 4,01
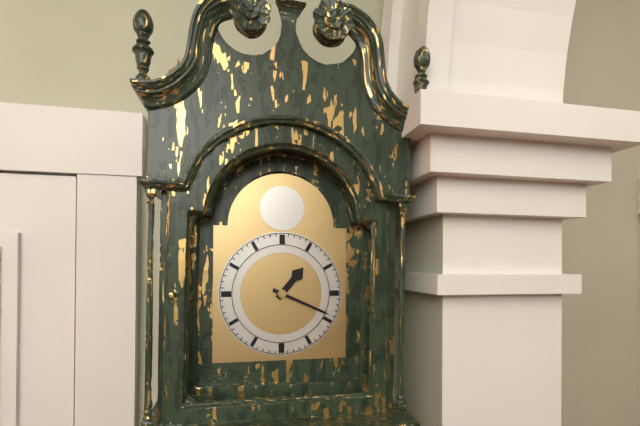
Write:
1,19
